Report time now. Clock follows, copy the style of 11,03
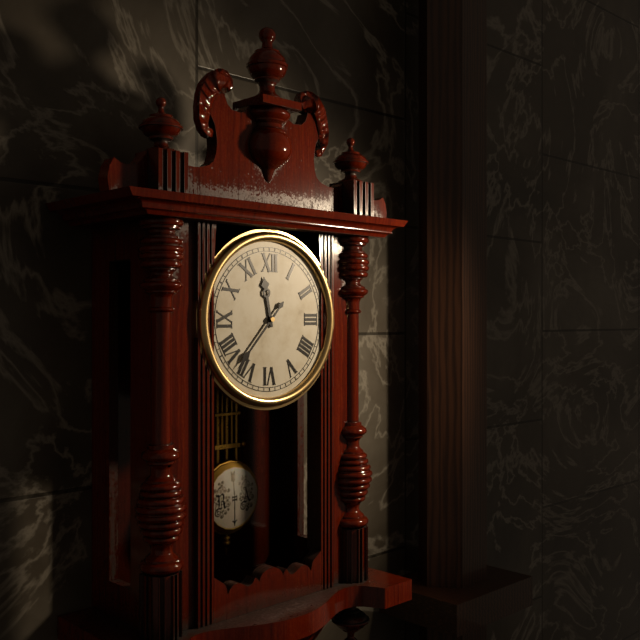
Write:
11,37
